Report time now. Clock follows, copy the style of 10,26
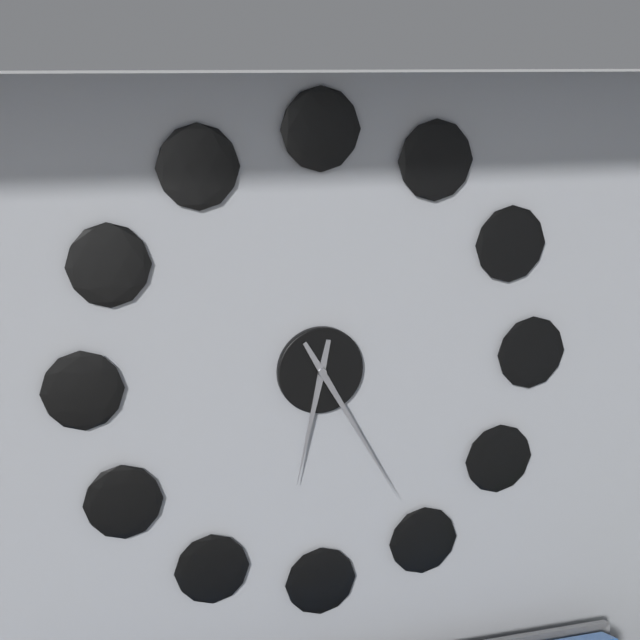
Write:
6,25
